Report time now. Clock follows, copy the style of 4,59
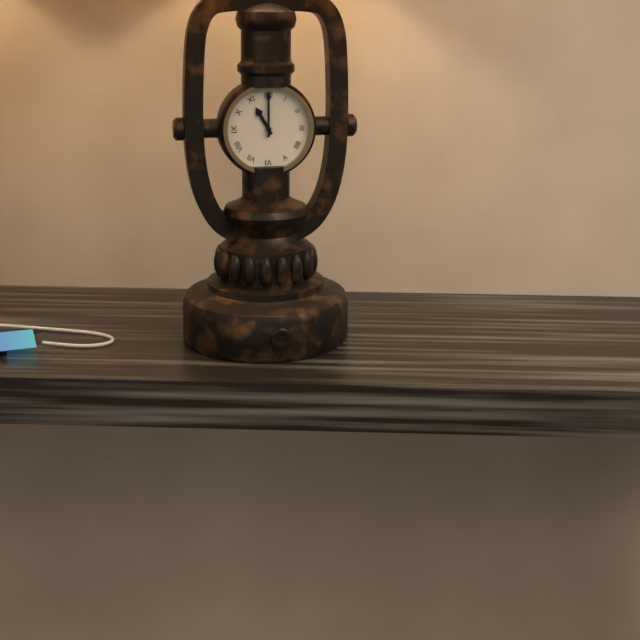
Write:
11,00
